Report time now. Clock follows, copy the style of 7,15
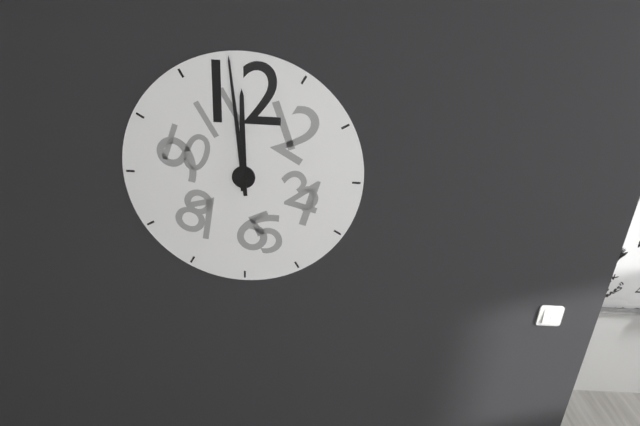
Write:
11,59
